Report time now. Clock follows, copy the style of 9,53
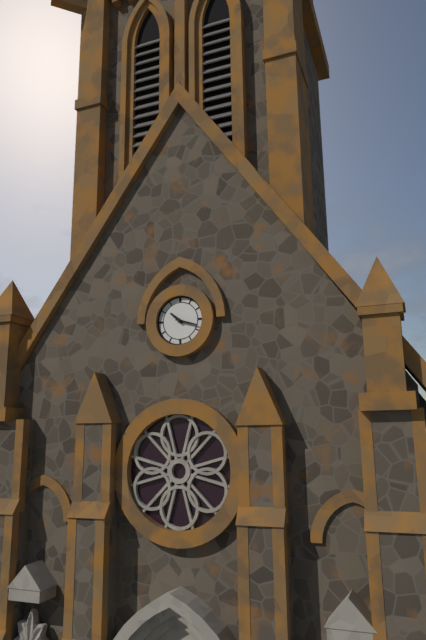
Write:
10,18
